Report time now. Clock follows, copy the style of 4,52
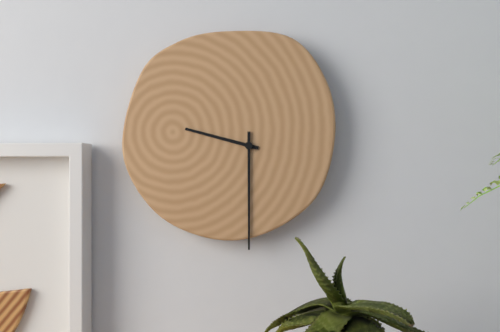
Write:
9,30
